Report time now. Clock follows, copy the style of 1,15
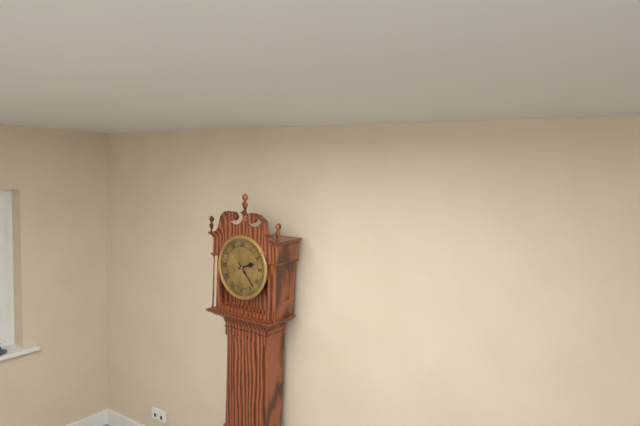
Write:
2,23
